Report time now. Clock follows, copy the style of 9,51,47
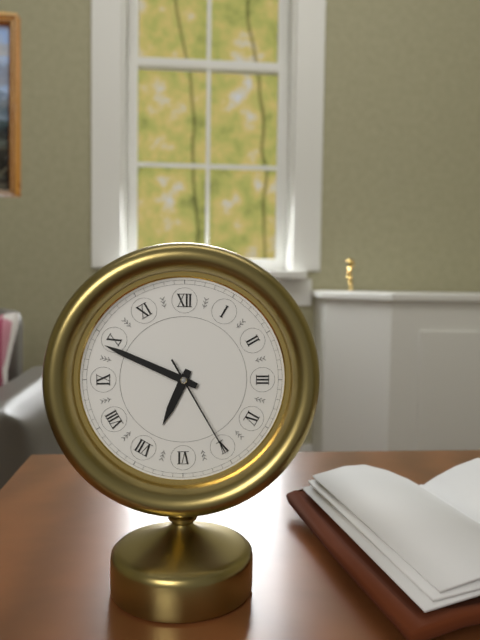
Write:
6,49,25
